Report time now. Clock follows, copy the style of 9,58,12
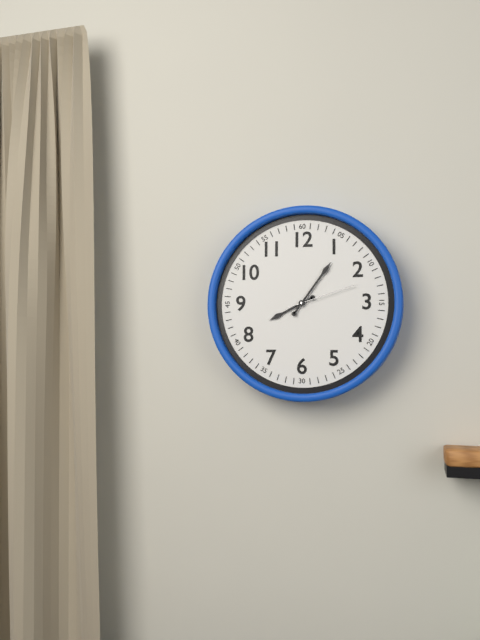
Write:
8,06,12
